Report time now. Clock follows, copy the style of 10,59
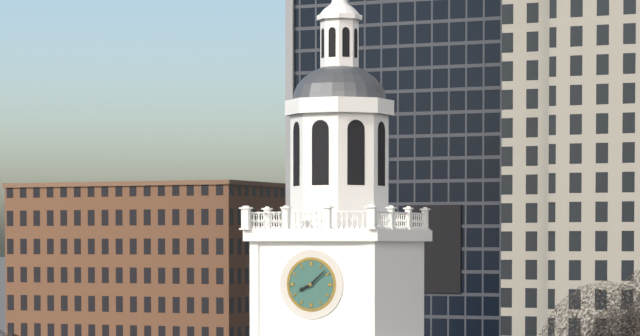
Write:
8,08
